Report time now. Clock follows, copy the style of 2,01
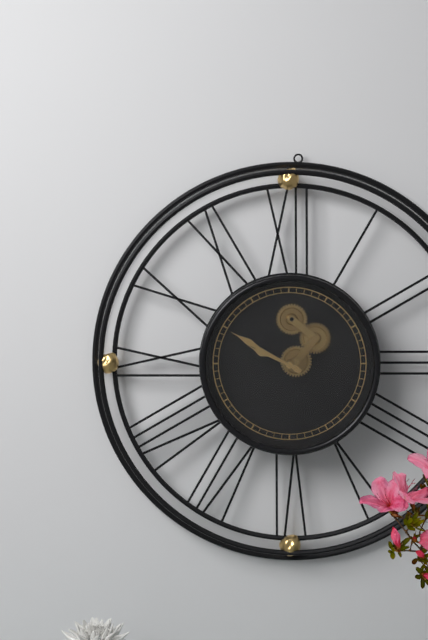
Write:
9,50
